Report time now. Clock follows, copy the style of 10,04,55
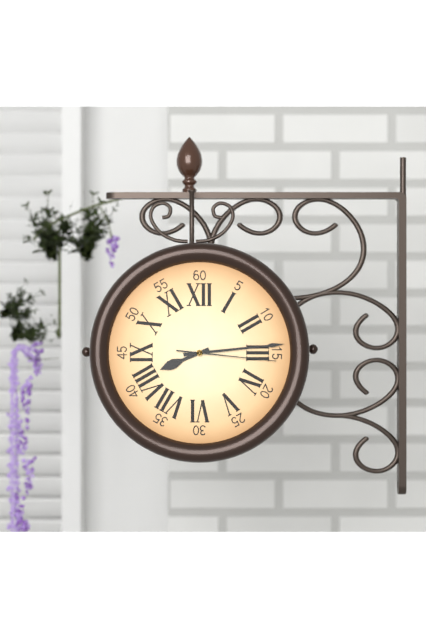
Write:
8,14,16
